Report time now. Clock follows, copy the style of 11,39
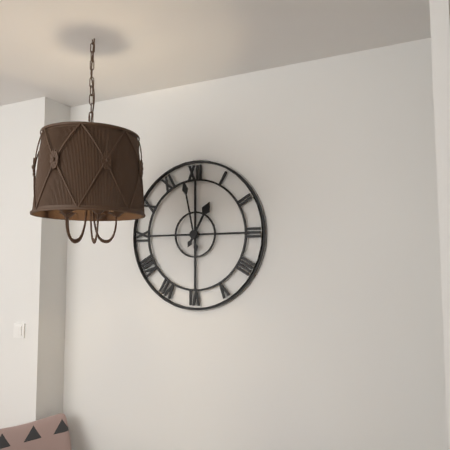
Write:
12,58
